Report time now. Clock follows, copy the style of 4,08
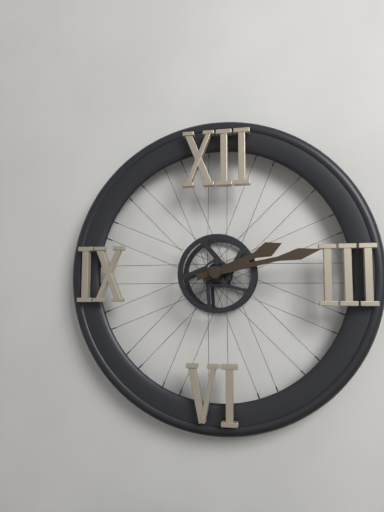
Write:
2,13
